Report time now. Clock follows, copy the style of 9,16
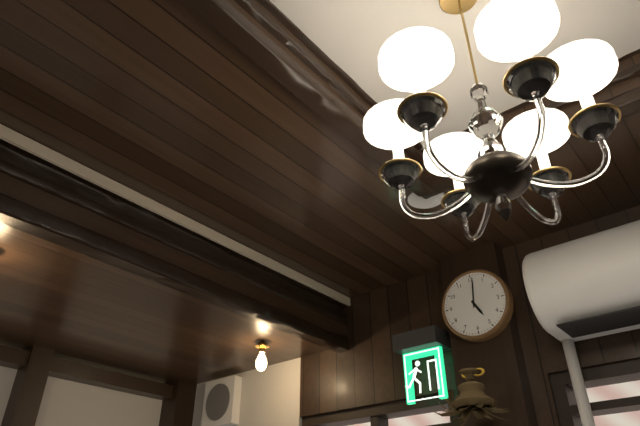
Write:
5,01
